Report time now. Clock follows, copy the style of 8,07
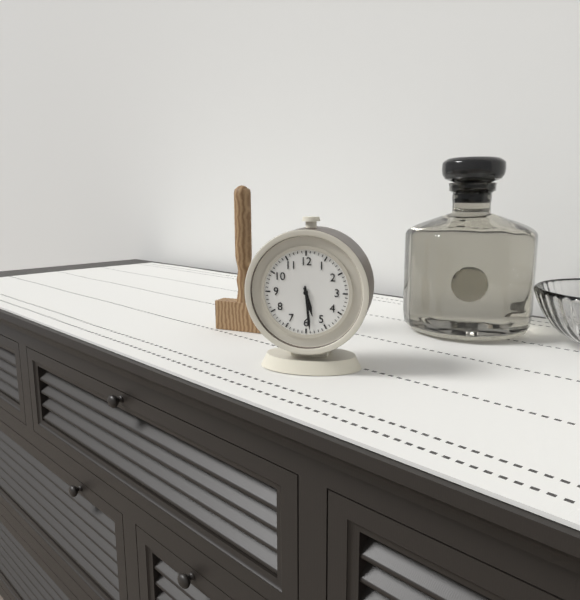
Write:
5,29
